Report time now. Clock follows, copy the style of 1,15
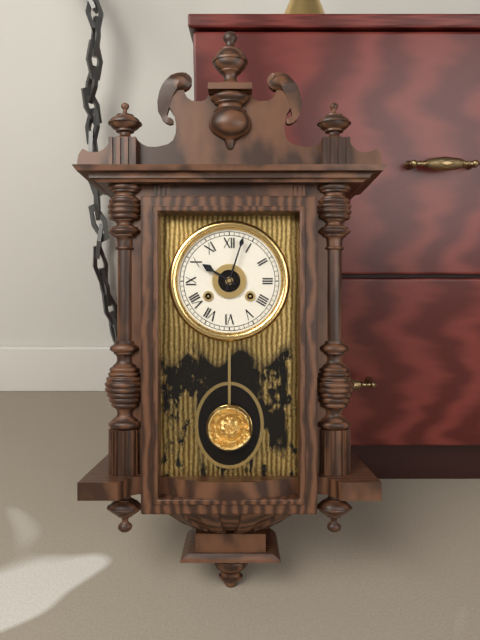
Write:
10,03
